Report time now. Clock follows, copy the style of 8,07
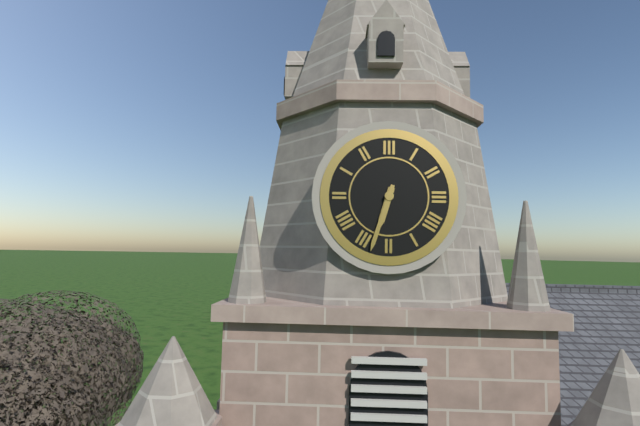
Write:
6,33
